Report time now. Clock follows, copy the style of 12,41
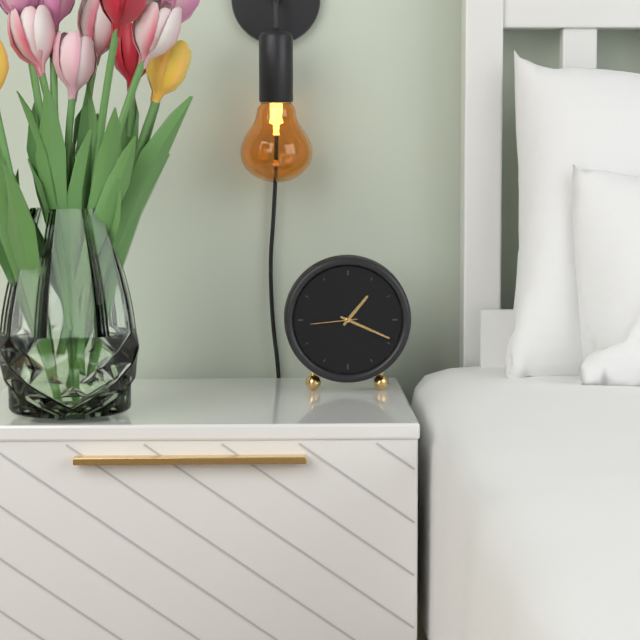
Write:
1,19
